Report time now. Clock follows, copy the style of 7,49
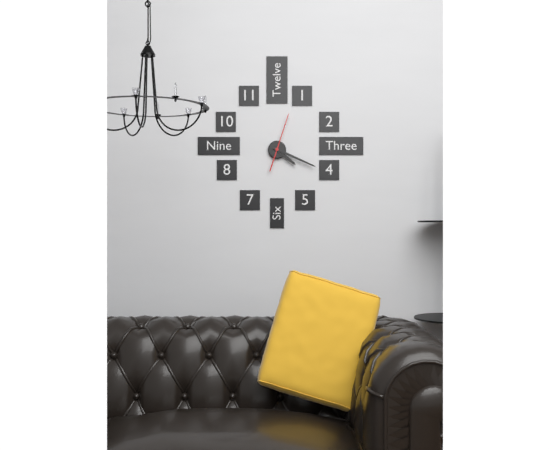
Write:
4,19
